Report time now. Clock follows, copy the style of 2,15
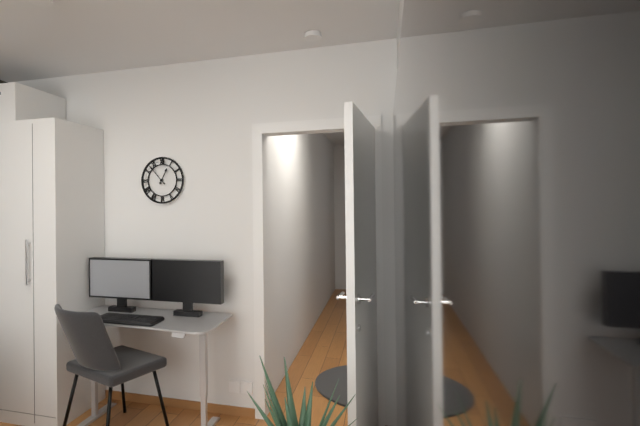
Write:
12,53
